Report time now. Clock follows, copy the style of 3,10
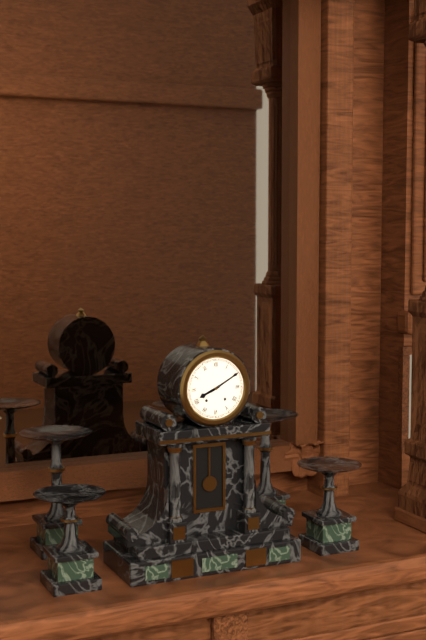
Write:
8,10
